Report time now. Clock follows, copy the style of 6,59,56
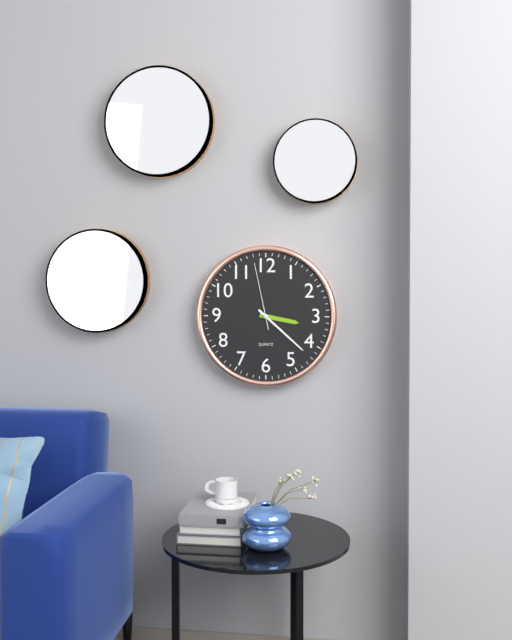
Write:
3,22,58
